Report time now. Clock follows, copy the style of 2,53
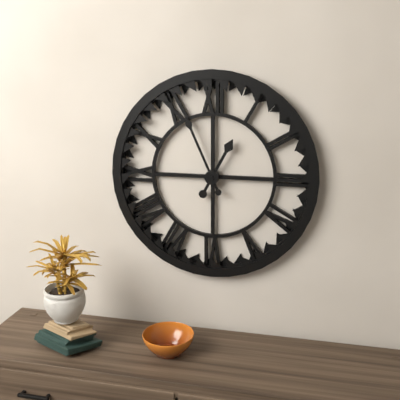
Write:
12,56
